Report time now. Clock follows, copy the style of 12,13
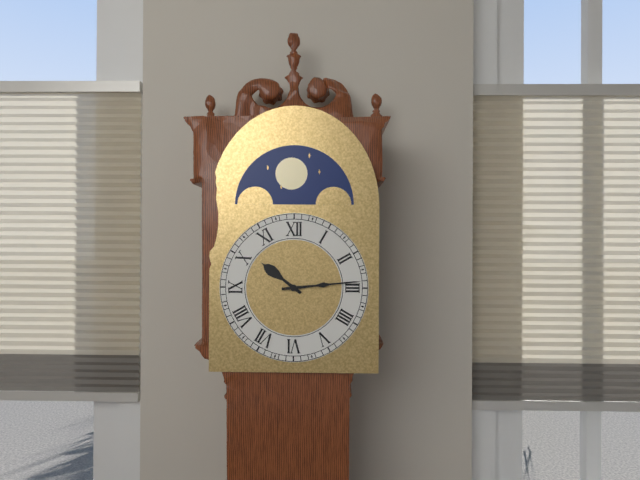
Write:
10,14
